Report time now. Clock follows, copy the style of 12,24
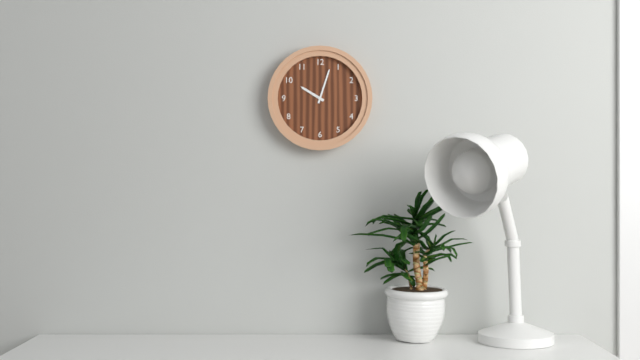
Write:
10,03
